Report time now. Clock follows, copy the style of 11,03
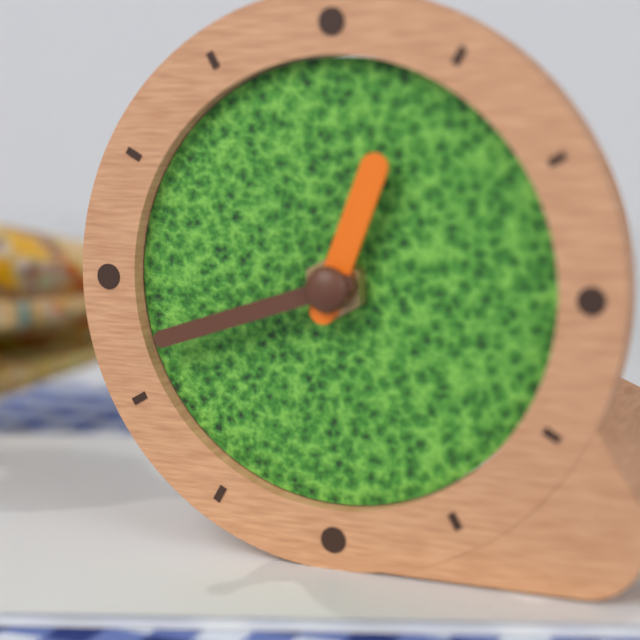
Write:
12,42
